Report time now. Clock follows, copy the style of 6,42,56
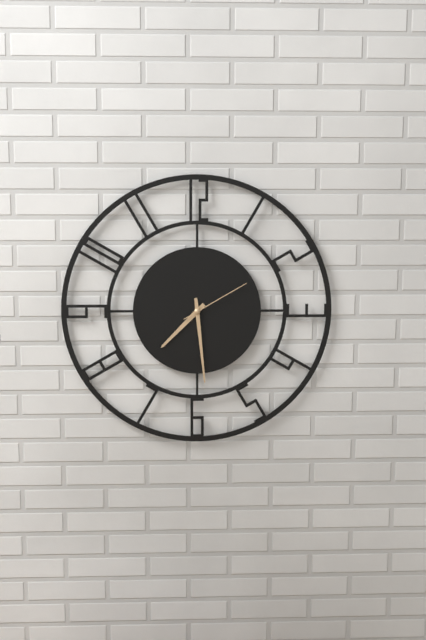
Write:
7,29,10
